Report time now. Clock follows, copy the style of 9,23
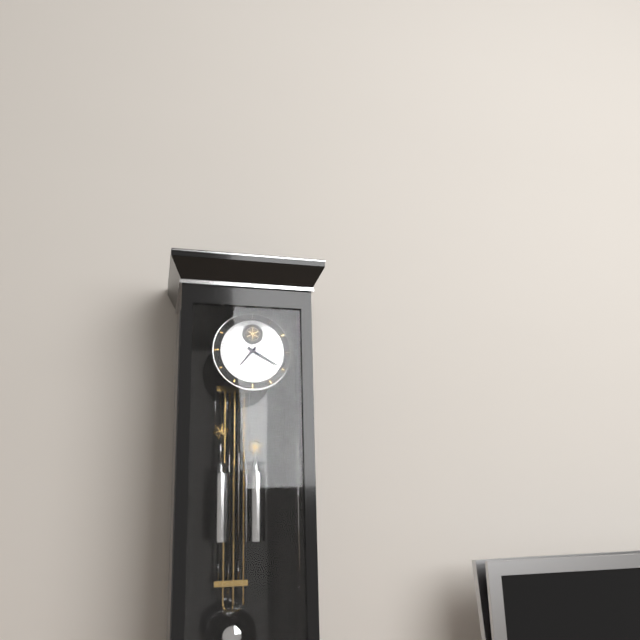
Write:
7,20
